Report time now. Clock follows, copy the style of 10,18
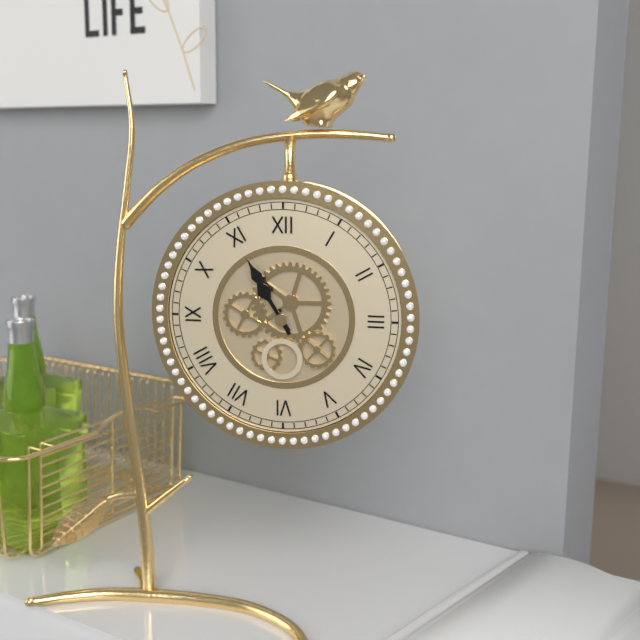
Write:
10,55
